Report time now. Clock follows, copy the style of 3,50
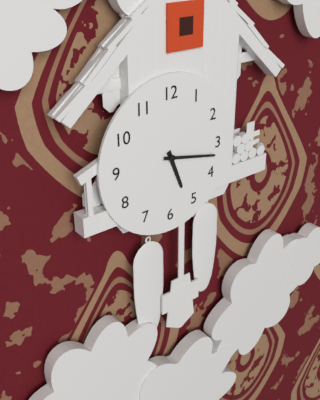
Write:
5,17
